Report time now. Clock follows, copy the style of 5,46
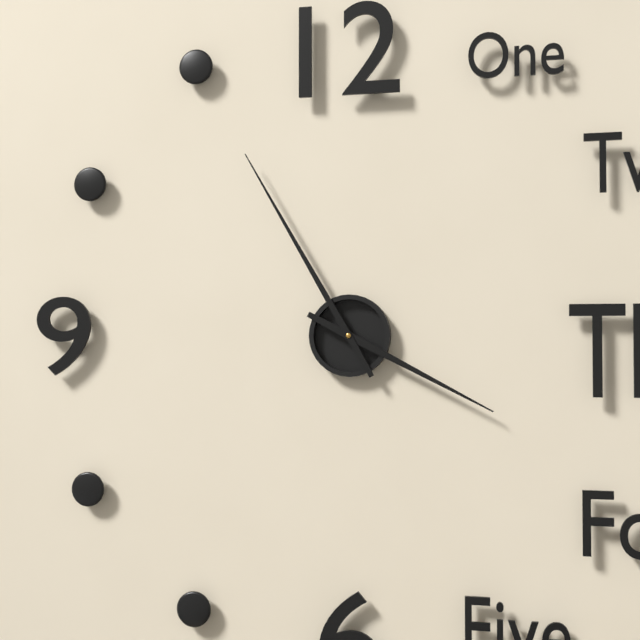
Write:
3,55
